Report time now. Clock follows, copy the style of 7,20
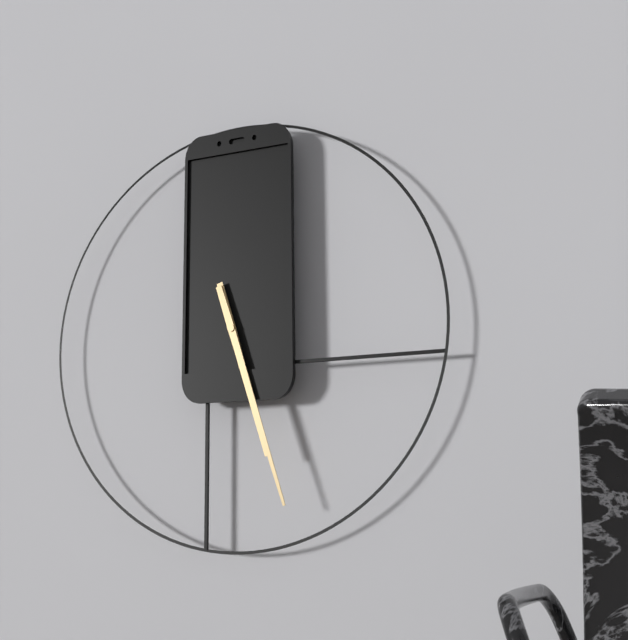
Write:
5,27
